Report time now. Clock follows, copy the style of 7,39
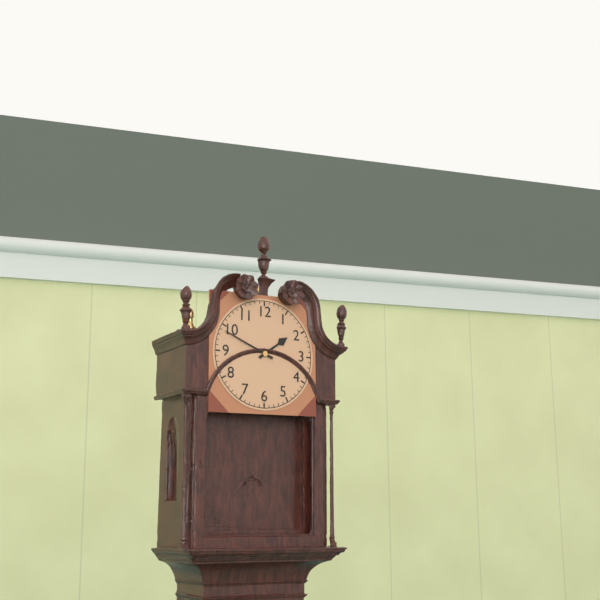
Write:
1,49
